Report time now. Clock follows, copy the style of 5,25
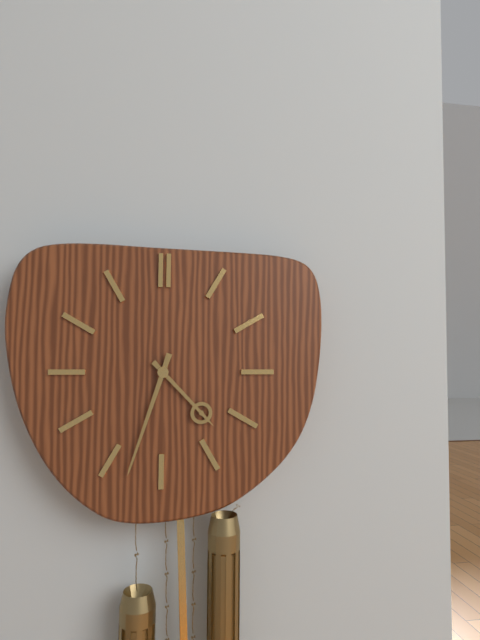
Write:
4,33
